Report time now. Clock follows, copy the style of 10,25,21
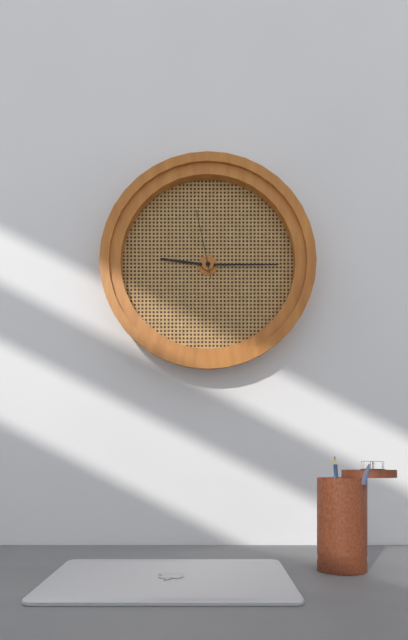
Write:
9,15,58
